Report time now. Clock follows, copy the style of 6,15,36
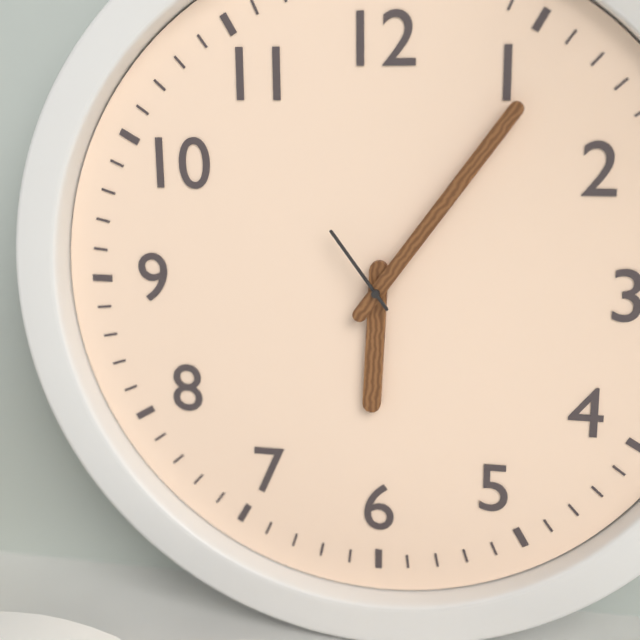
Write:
6,06,54
